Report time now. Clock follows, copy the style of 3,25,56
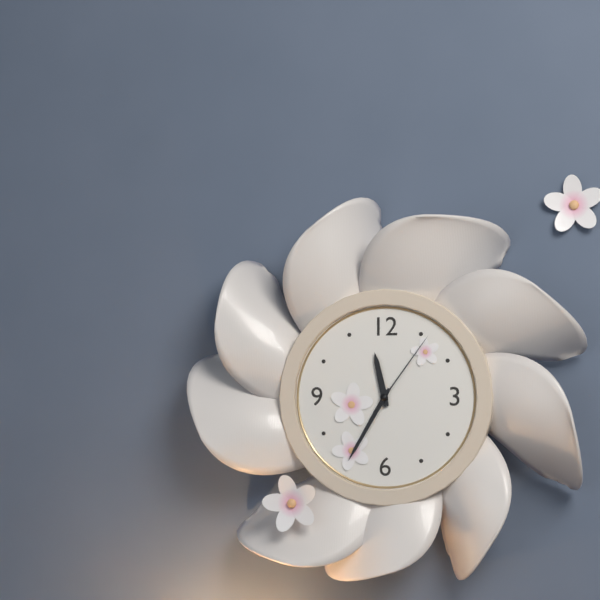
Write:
11,35,06
